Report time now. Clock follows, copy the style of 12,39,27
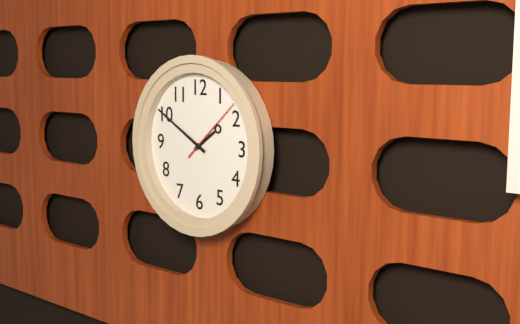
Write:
1,50,08
